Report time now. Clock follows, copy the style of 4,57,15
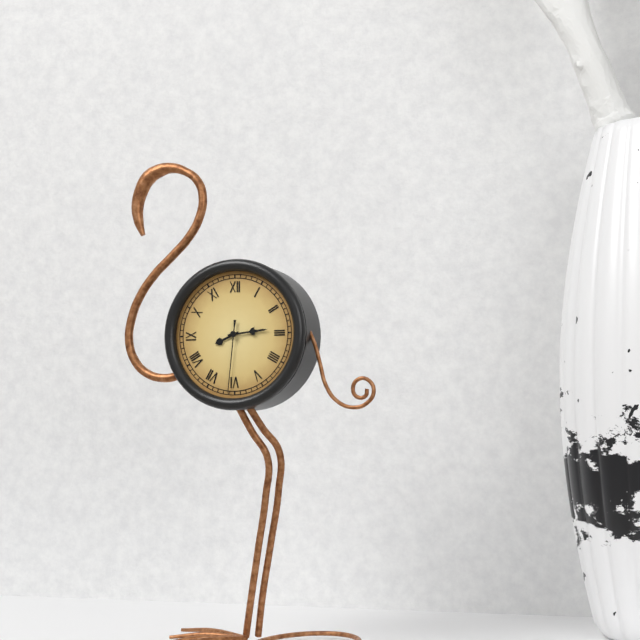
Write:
8,14,31
